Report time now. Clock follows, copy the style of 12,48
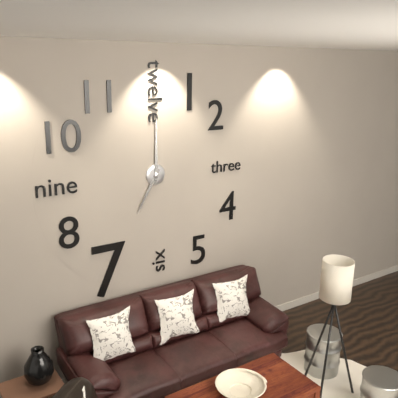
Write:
7,00
